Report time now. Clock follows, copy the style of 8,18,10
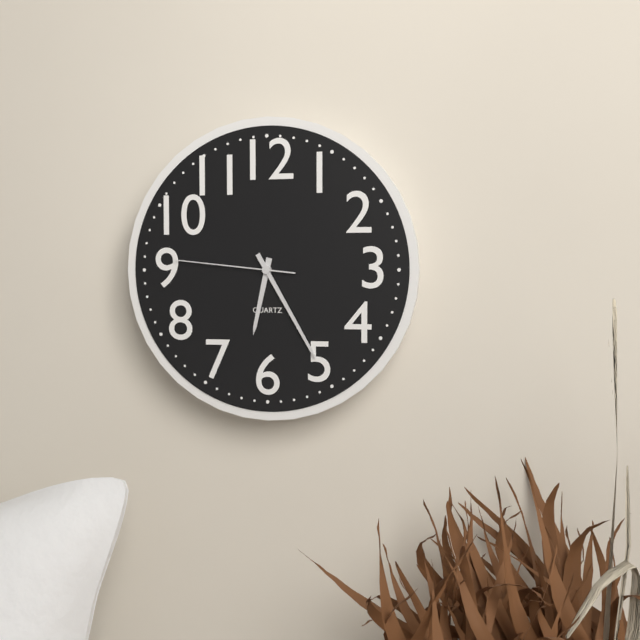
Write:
6,25,46
